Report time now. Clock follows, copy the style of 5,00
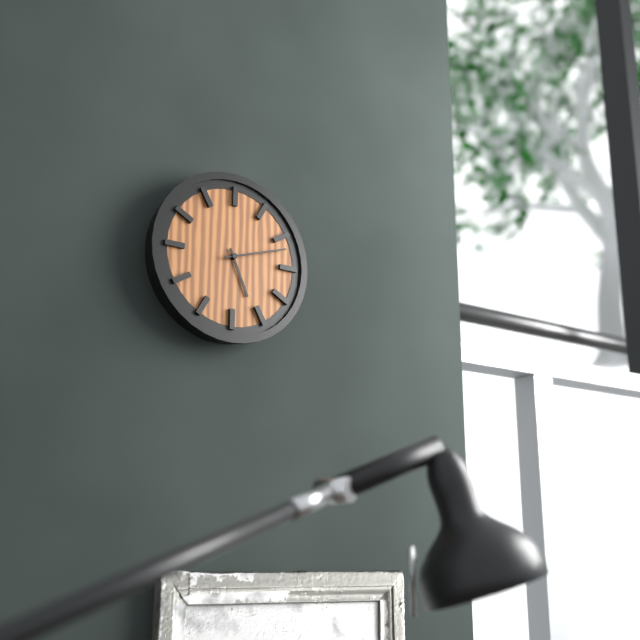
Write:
5,12
